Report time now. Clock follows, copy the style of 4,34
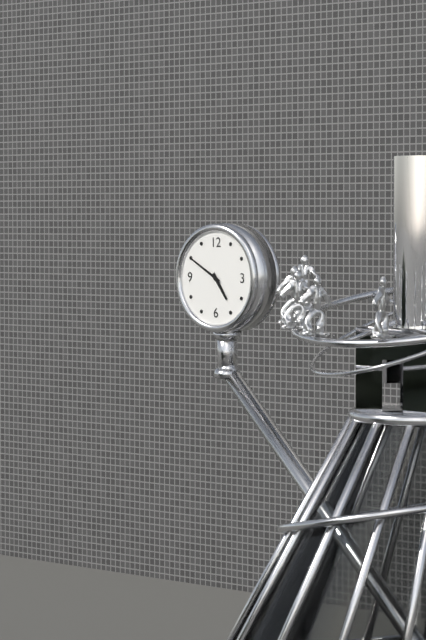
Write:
4,50
